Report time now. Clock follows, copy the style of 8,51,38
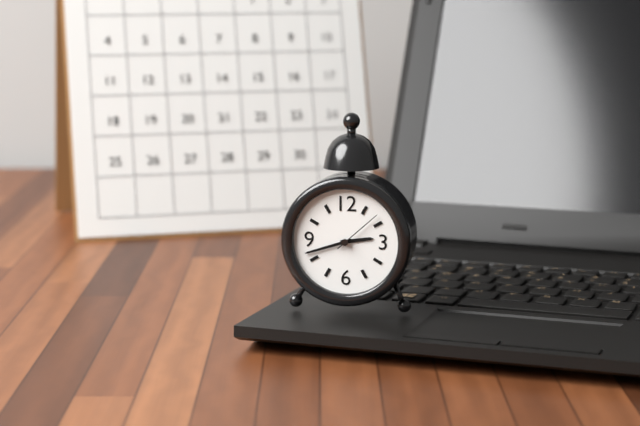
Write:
2,42,08
